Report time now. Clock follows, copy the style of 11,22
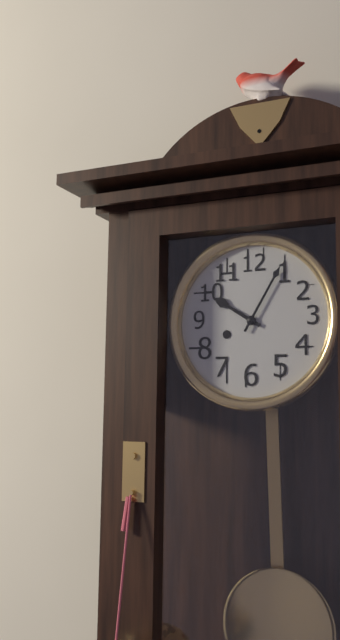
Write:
10,05
